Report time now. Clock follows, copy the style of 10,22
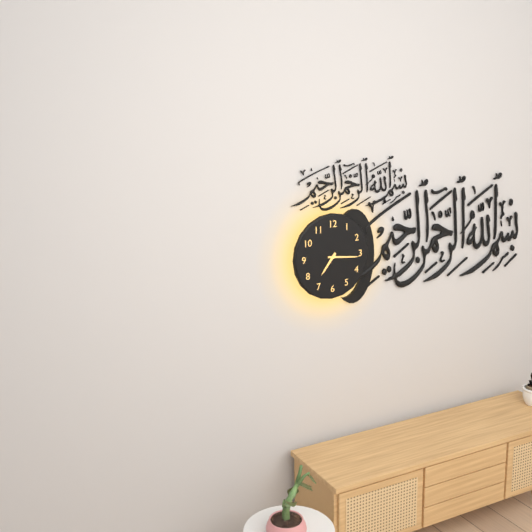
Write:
7,16
